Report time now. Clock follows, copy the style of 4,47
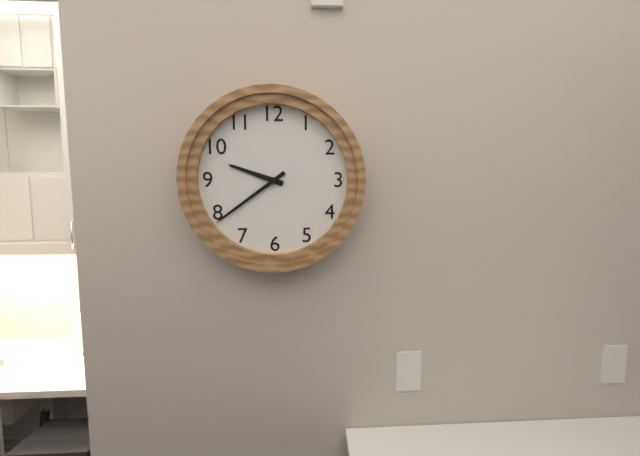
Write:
9,39
